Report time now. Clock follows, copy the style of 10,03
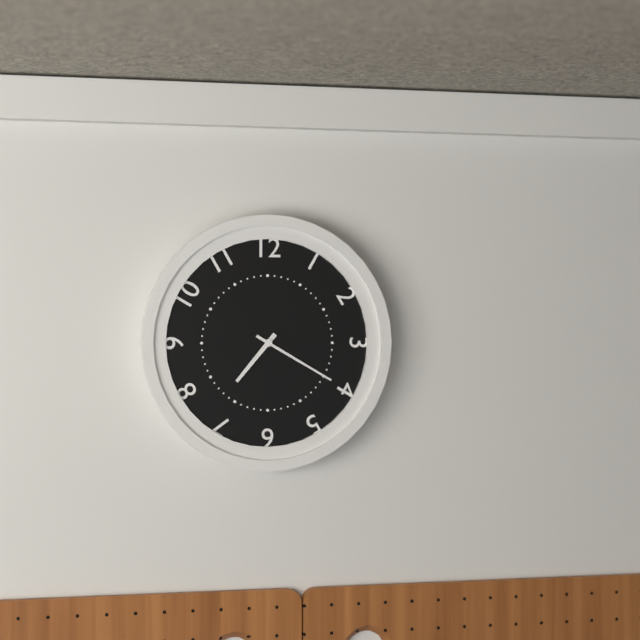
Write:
7,20
